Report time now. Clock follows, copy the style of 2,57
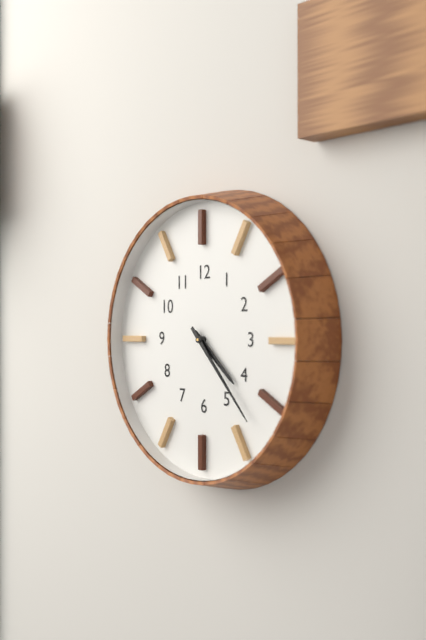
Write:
4,23
